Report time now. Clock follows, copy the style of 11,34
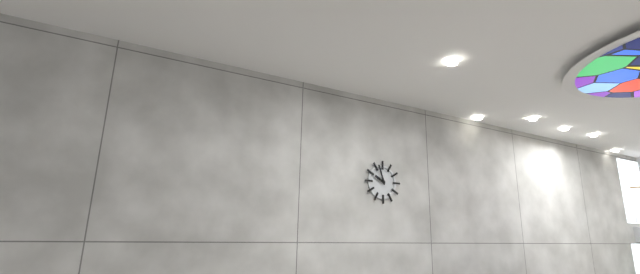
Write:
9,57
